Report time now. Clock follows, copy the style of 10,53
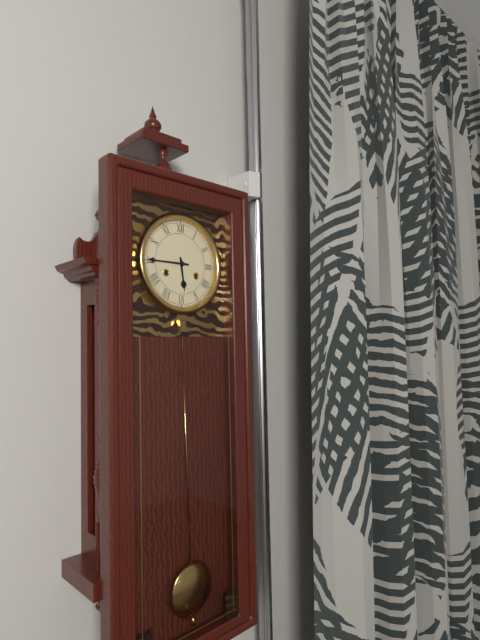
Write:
5,45
